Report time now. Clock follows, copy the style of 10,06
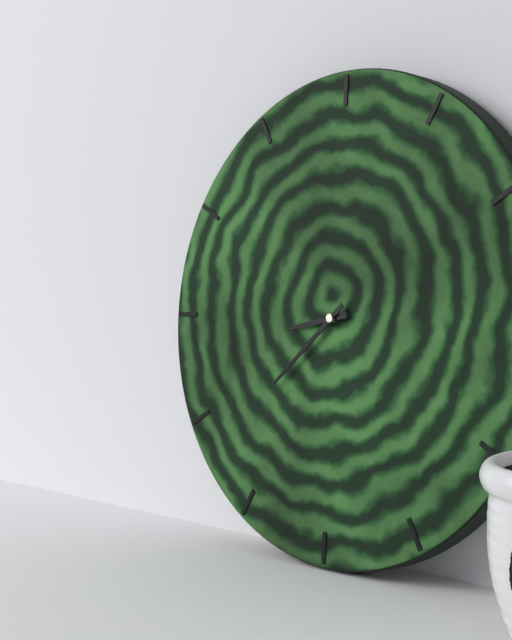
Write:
8,38
